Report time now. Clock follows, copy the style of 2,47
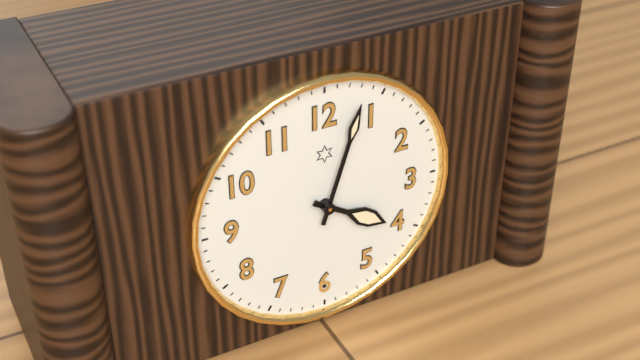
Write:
4,03
